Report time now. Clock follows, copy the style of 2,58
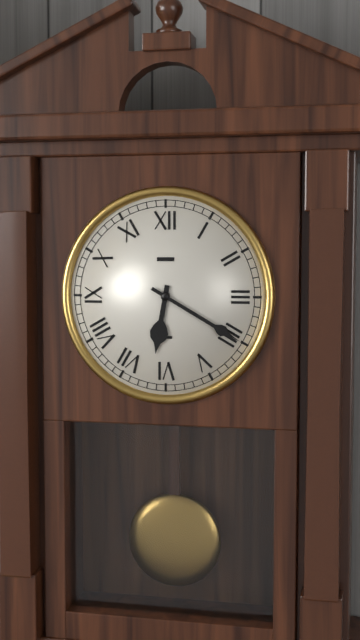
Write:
6,20
